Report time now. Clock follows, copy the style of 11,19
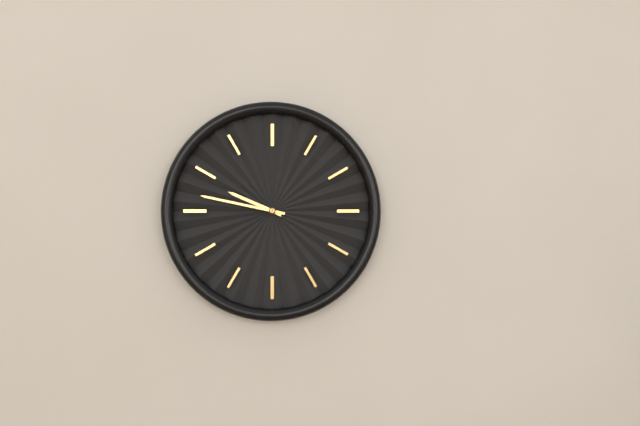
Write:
9,47
